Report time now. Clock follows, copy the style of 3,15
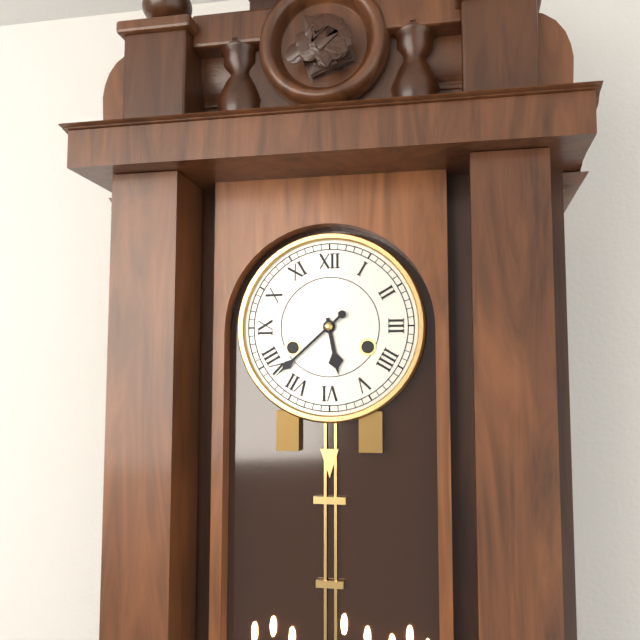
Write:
5,38
